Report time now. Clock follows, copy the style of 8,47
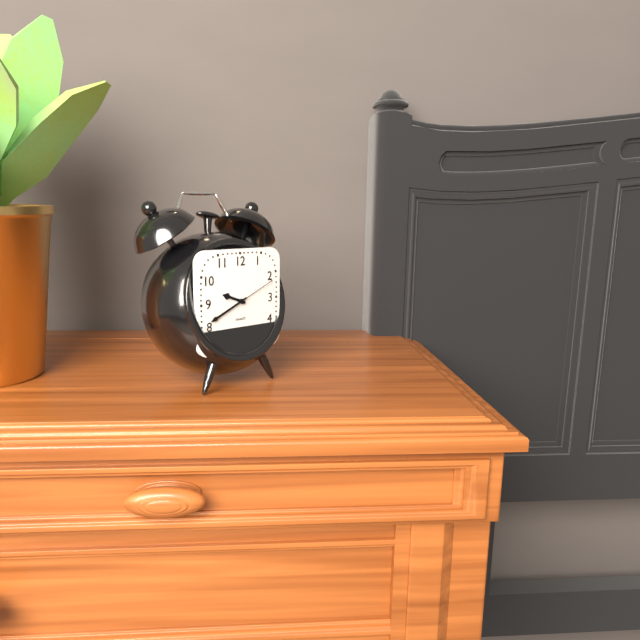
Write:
9,41
